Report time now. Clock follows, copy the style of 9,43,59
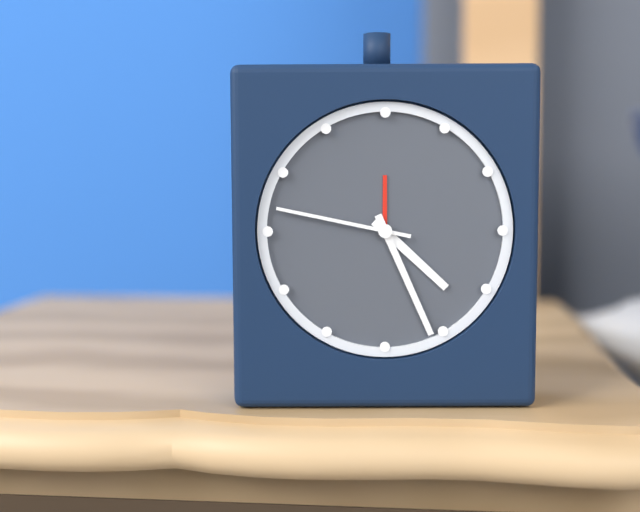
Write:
4,26,47
